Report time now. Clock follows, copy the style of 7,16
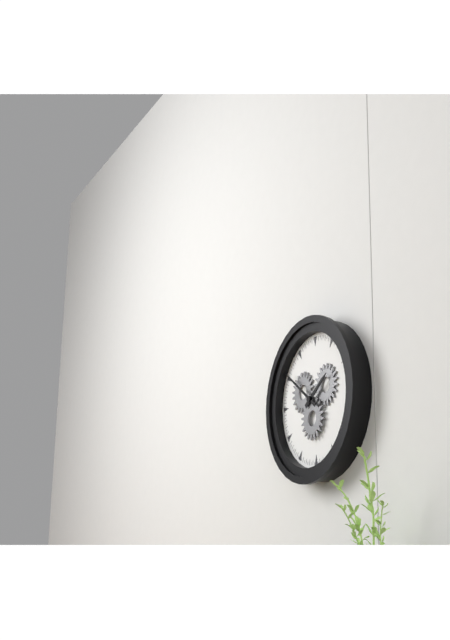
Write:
1,51
